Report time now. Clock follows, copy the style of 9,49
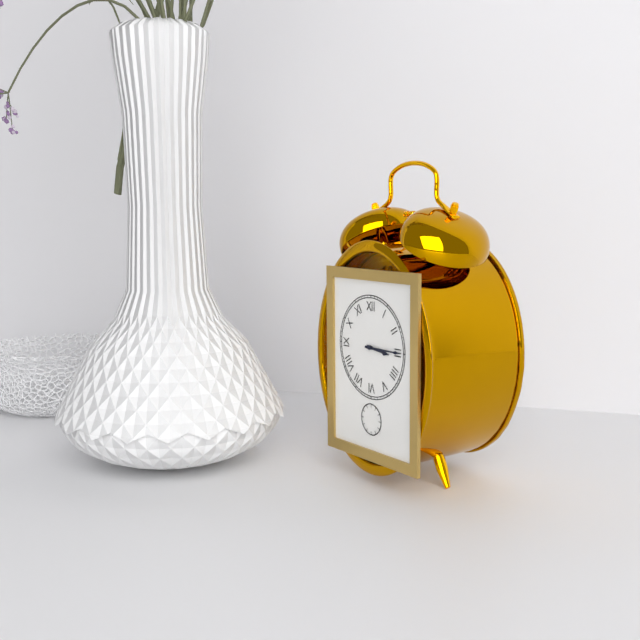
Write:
3,15
